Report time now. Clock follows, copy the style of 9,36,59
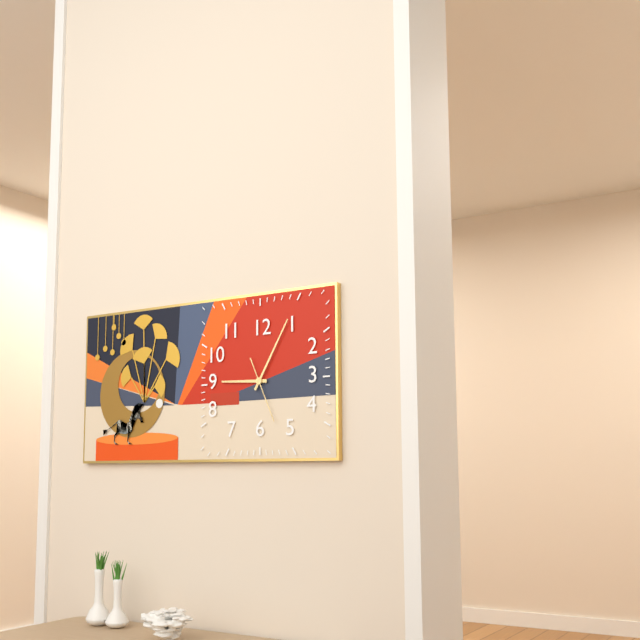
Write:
9,05,26
